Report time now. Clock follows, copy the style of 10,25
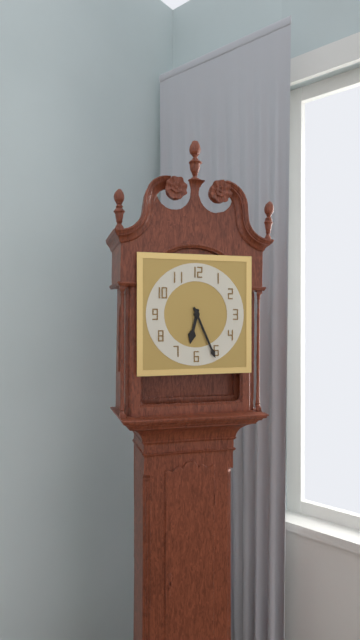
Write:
6,26
